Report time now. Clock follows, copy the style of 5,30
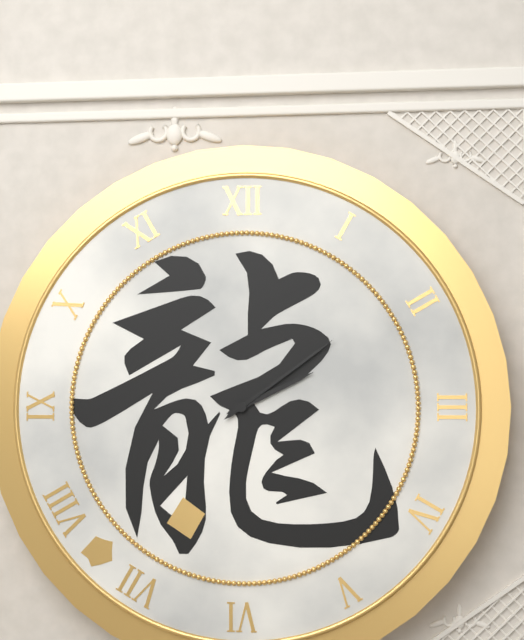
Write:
2,09
